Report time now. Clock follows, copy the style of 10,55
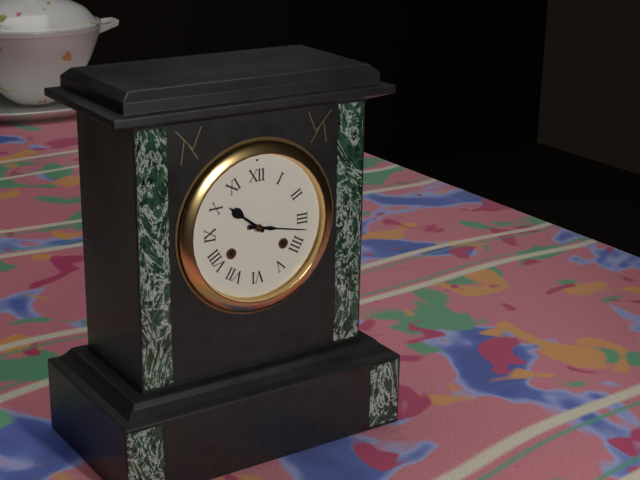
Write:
10,17
